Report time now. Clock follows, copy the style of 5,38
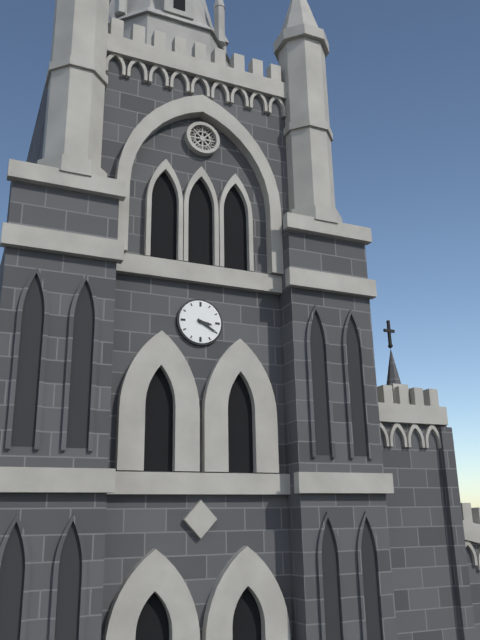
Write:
3,20
